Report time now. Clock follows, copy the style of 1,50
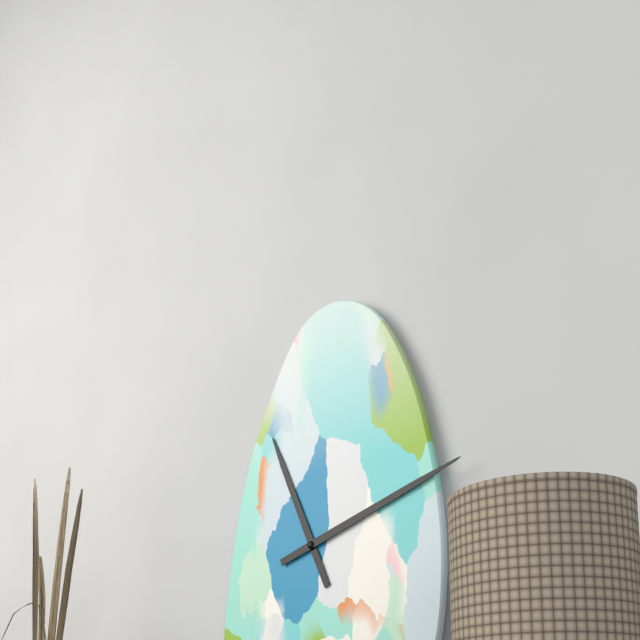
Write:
11,12
